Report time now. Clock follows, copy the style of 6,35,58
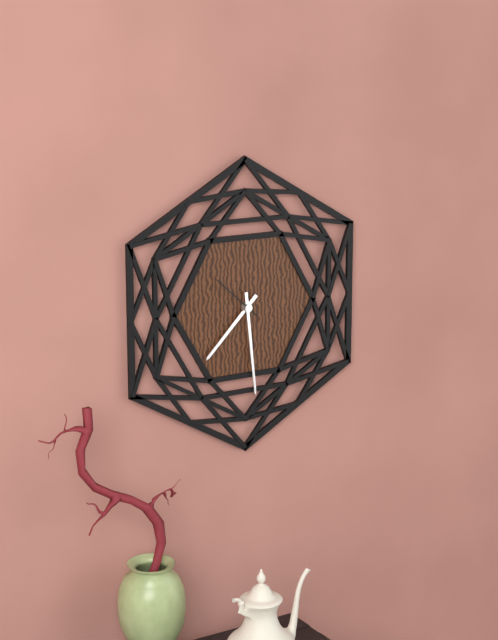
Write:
7,29,52
